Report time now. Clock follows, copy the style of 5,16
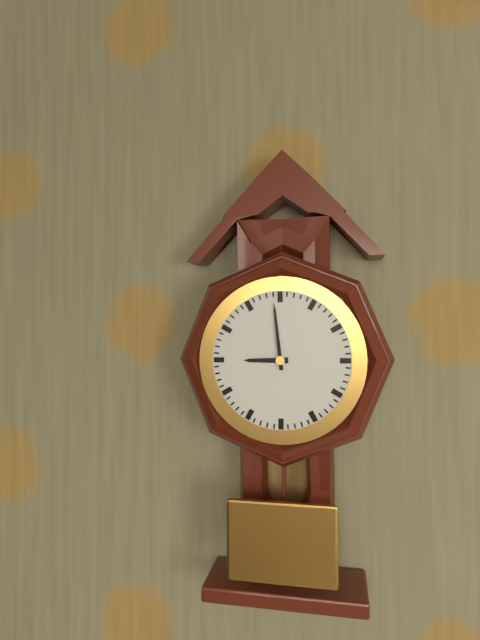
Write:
8,59
